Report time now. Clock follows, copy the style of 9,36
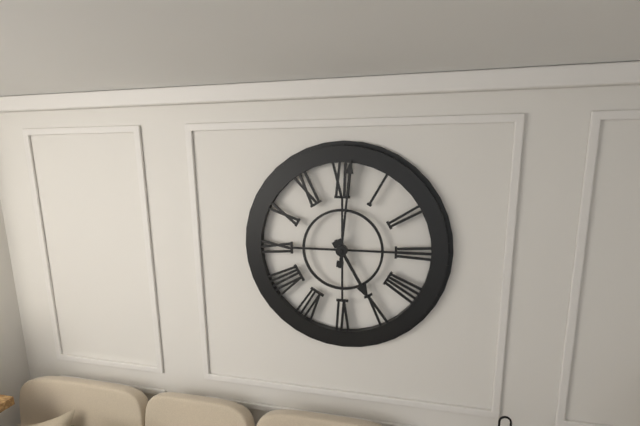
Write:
5,01
